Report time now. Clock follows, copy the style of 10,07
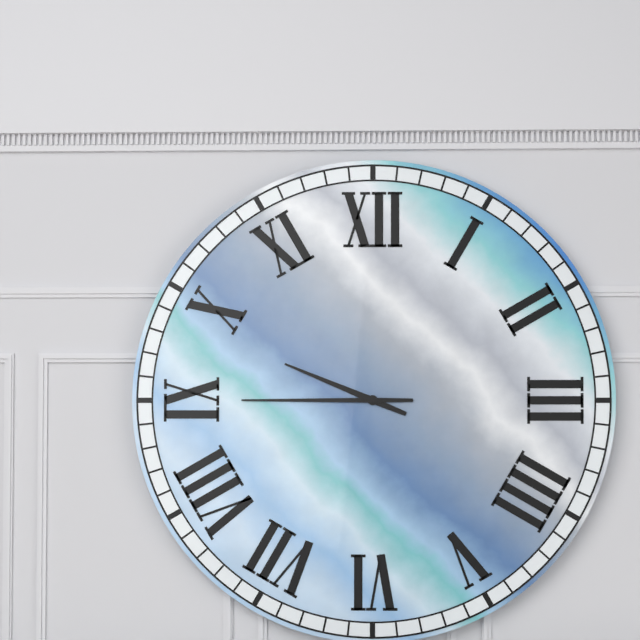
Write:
9,45
